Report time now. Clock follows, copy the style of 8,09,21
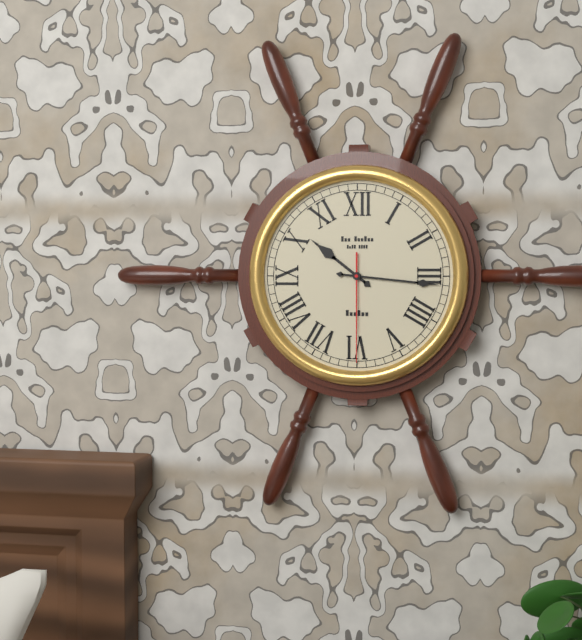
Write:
10,16,30
